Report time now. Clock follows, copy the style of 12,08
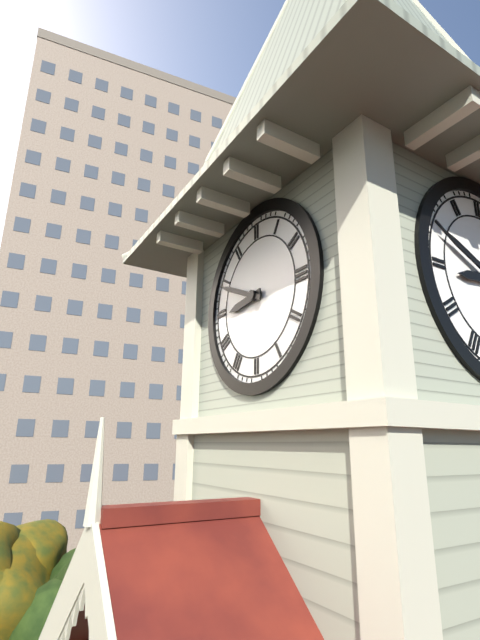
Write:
8,49
